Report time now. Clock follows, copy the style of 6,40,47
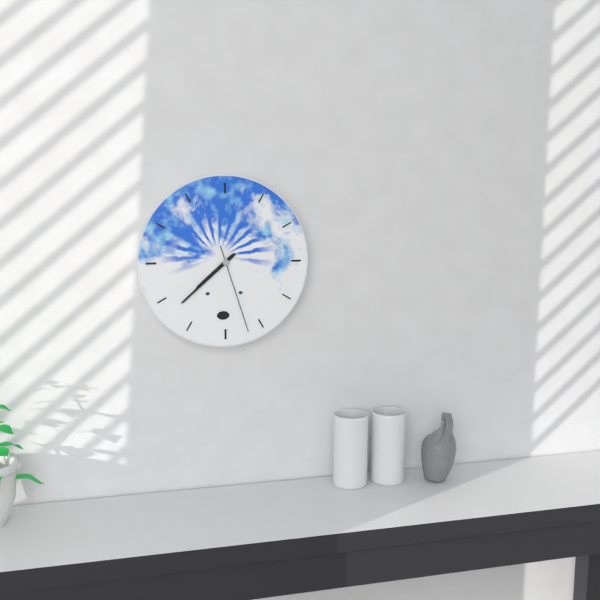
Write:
7,38,27
